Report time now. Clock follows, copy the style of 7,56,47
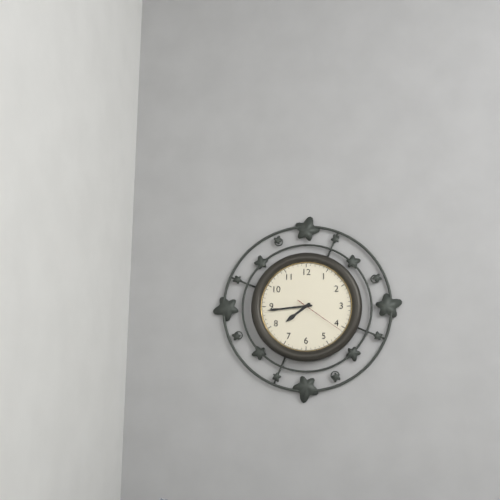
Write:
7,44,21
